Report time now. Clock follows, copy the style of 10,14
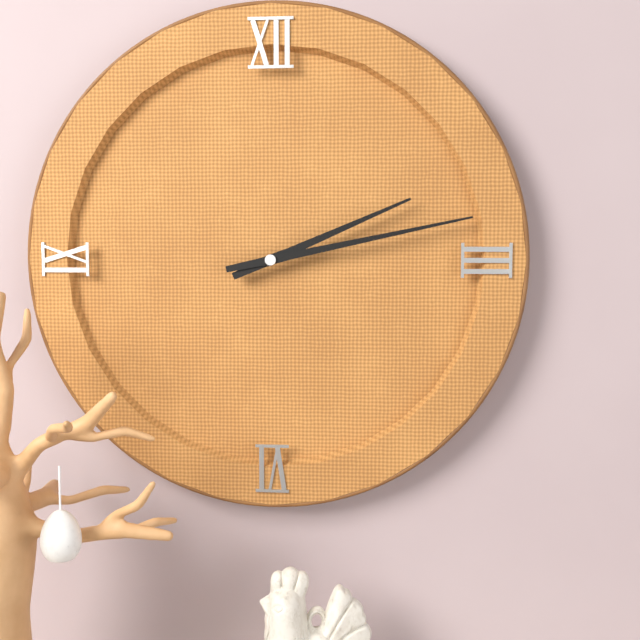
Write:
2,13
